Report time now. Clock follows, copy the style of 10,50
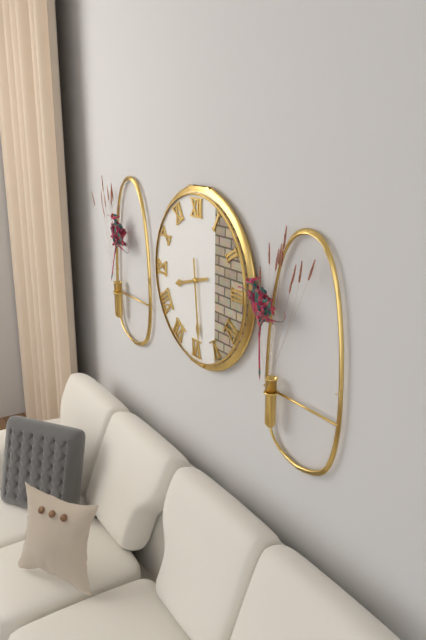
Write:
8,29
